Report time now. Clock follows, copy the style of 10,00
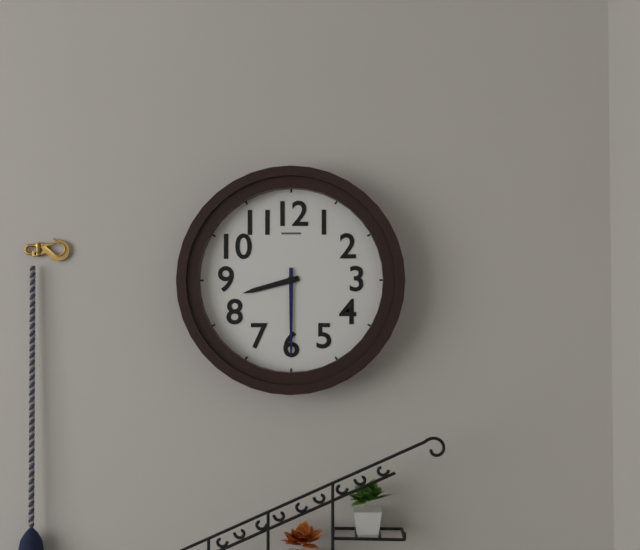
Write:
8,30
